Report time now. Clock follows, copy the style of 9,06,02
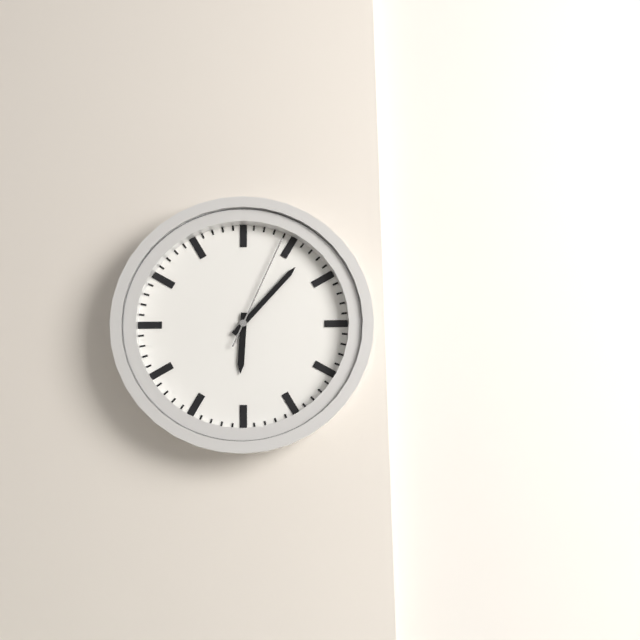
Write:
6,07,04
